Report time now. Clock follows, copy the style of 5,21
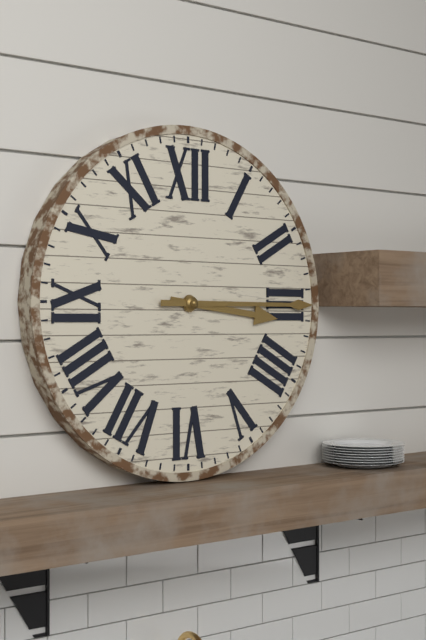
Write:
3,15
